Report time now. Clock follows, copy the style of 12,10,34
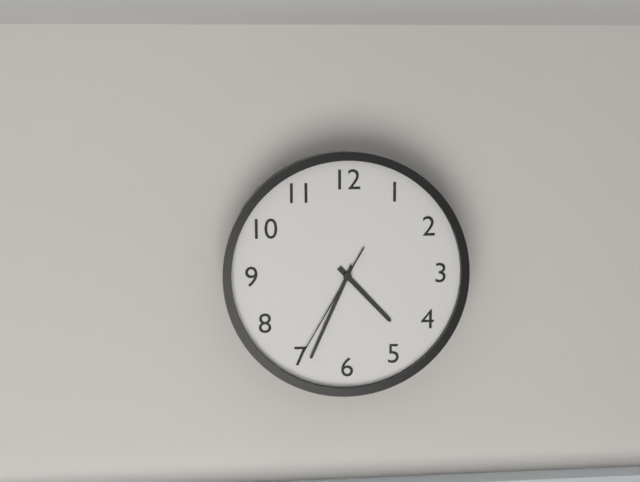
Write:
4,34,35
